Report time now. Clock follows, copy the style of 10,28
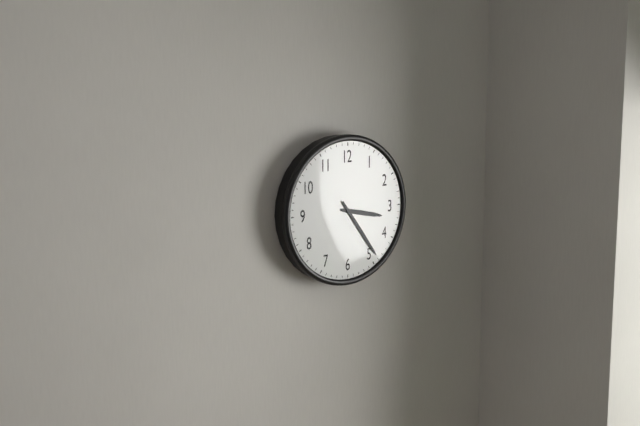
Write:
3,24
